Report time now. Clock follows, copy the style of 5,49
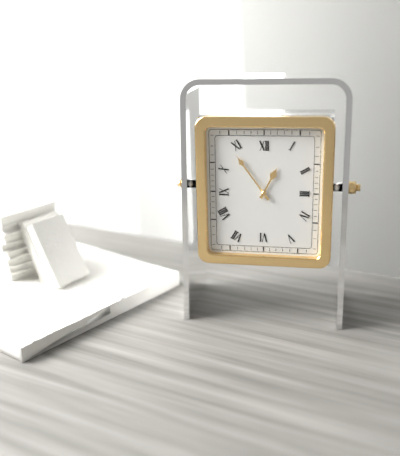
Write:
12,54
